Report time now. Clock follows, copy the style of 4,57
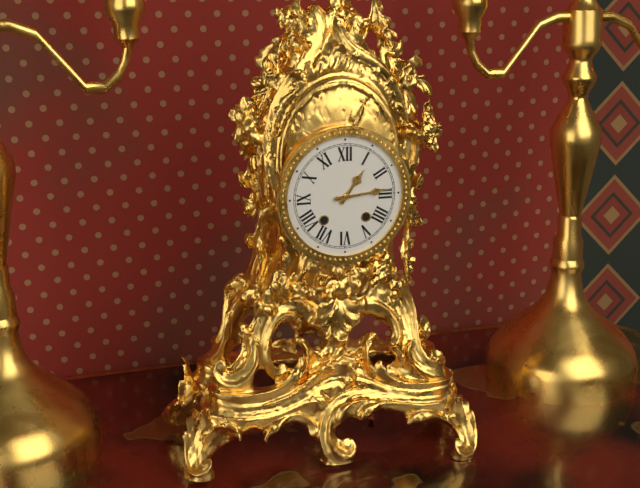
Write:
1,14
